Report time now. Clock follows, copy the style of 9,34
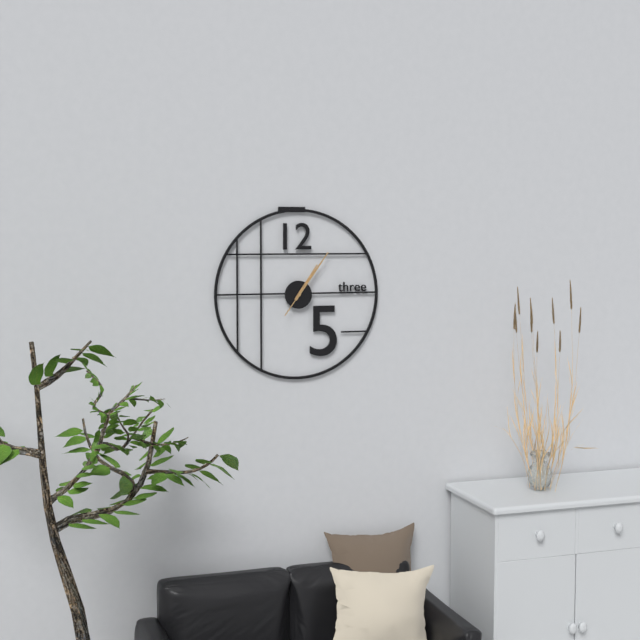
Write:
1,06
